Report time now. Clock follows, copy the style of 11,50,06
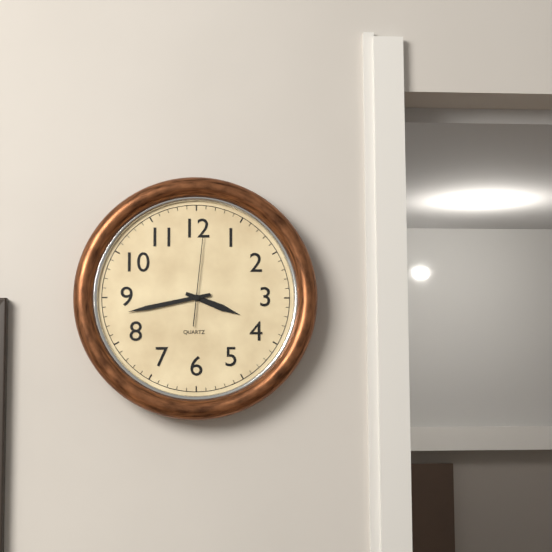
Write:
3,43,01
